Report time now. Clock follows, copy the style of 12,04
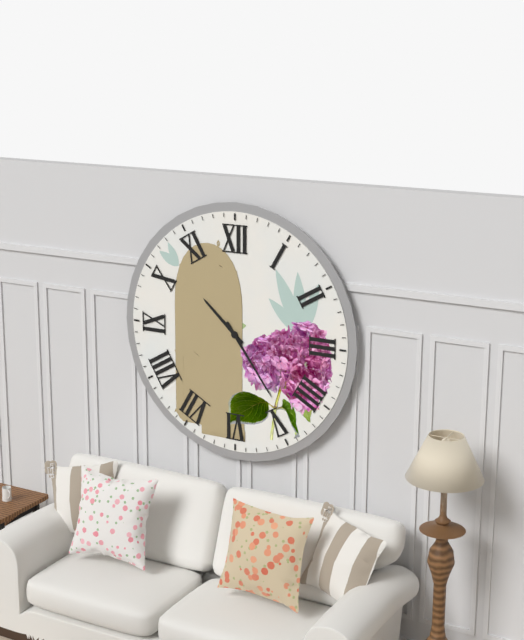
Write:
10,24
